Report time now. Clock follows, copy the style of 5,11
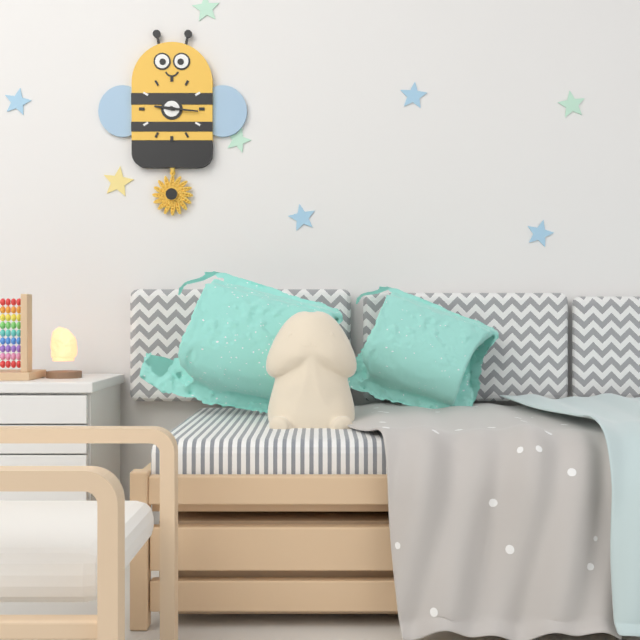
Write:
9,16
